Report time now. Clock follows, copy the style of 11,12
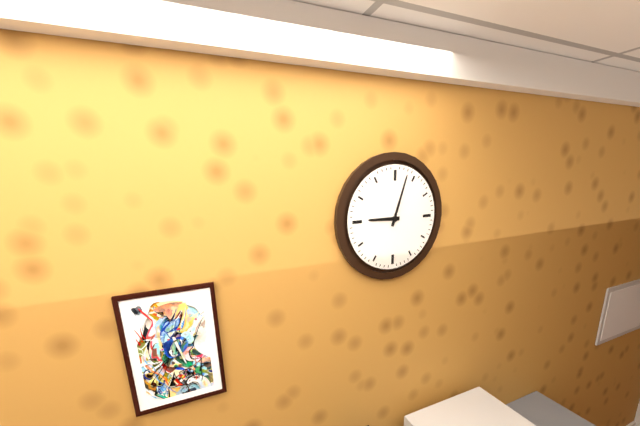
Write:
9,03
